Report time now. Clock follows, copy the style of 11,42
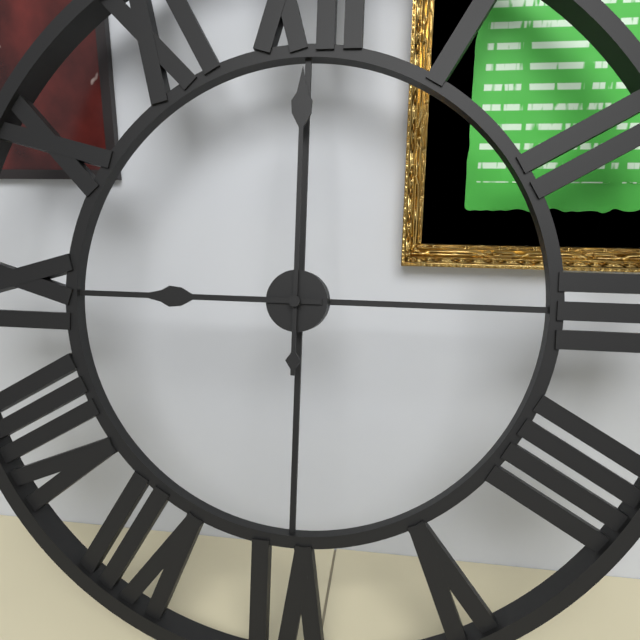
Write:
9,00
